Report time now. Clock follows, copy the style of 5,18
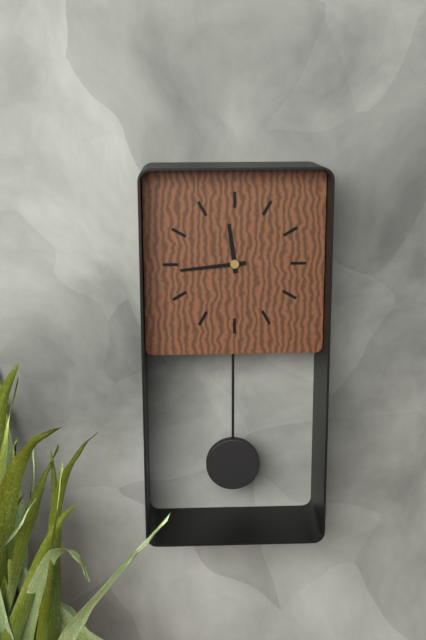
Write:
11,44
